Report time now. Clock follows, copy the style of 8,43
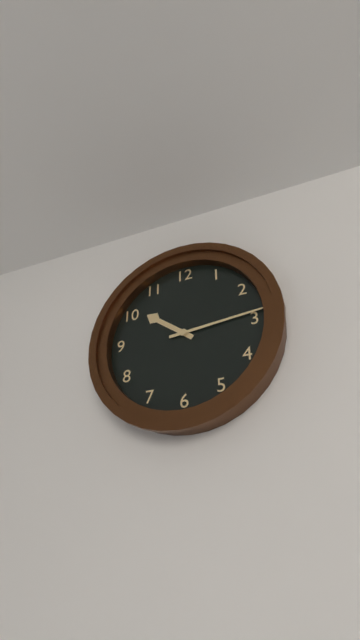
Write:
10,14
